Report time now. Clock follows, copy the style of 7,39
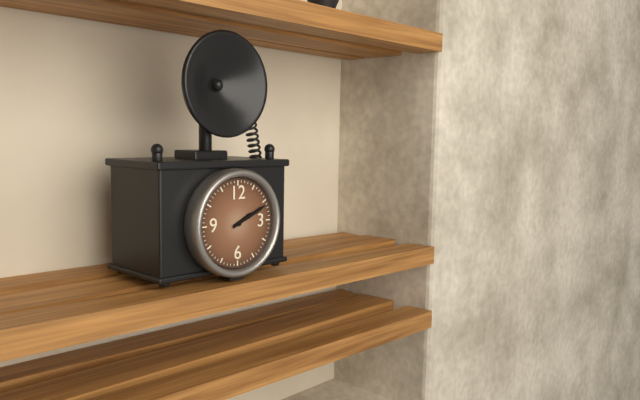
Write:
2,11
